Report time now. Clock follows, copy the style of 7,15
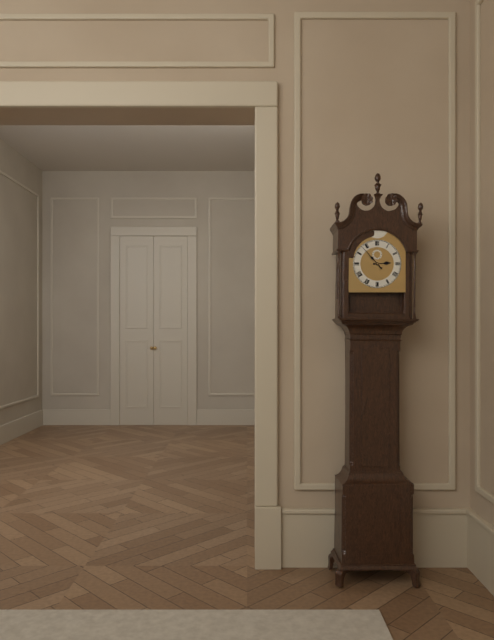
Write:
2,53
